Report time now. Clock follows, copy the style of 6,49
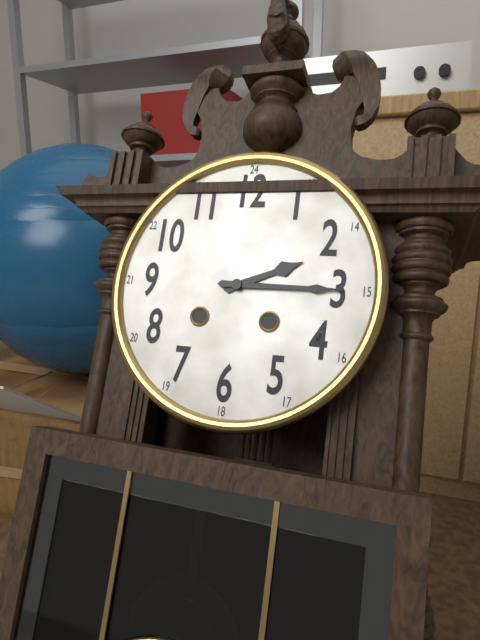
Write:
2,15
